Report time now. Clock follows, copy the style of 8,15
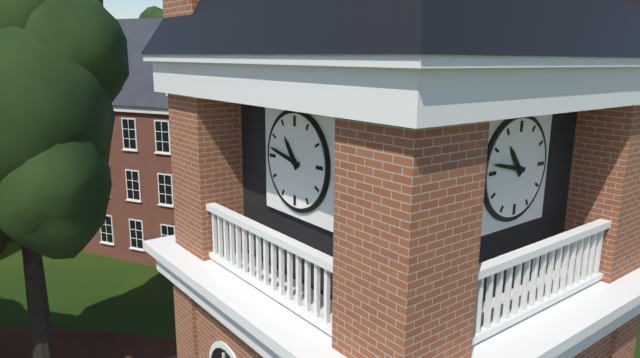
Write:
10,47
